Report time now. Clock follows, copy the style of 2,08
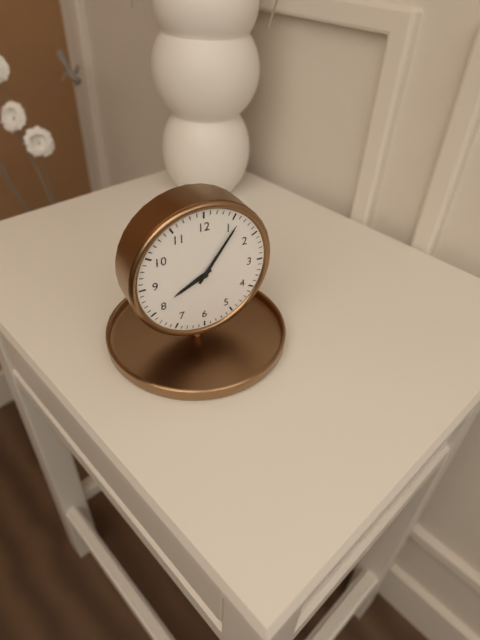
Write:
8,06
